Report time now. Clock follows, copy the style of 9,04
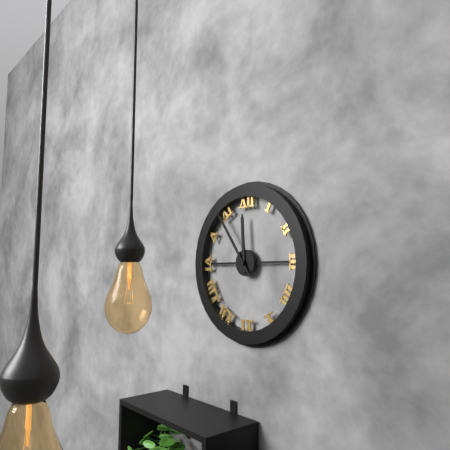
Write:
11,54
